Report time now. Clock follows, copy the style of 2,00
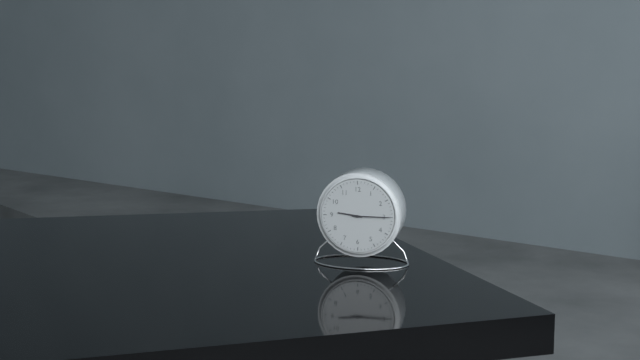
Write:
9,15
